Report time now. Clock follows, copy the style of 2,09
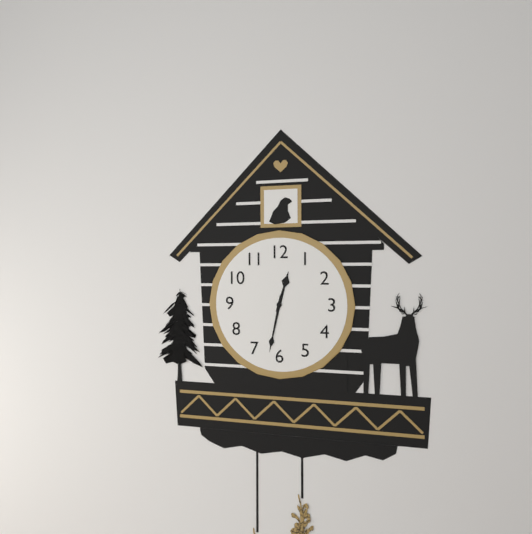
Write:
12,32
